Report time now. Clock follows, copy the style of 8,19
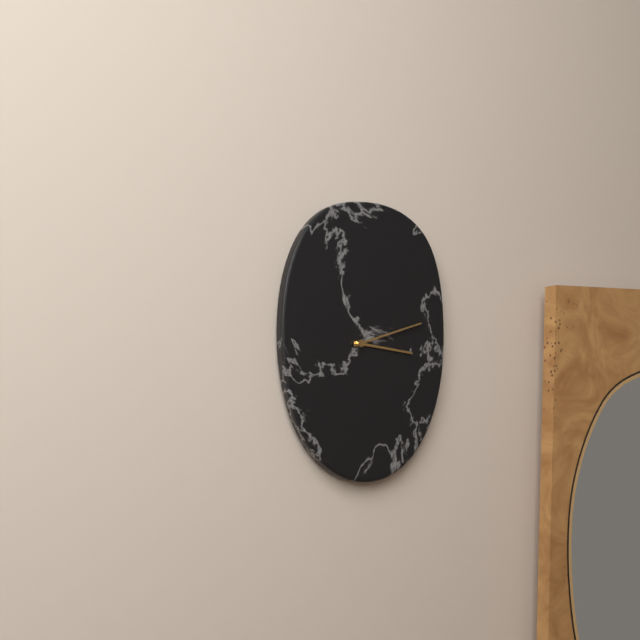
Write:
3,12
